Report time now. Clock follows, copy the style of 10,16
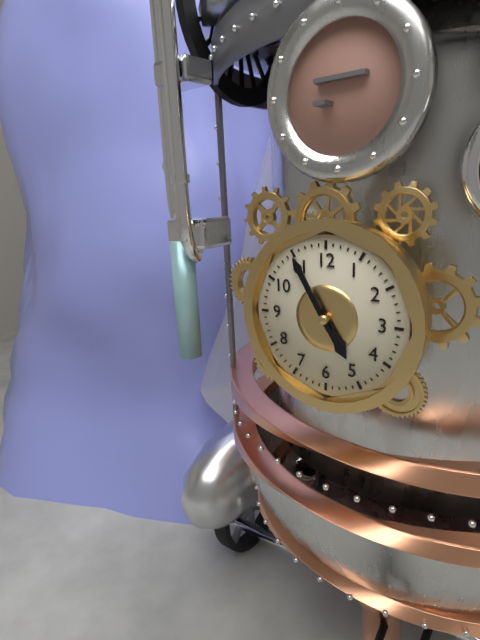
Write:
4,55
